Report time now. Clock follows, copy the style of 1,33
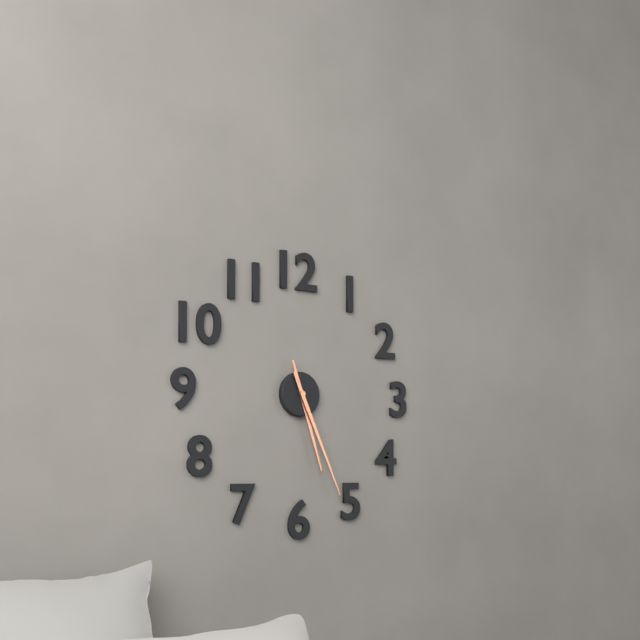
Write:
5,26
